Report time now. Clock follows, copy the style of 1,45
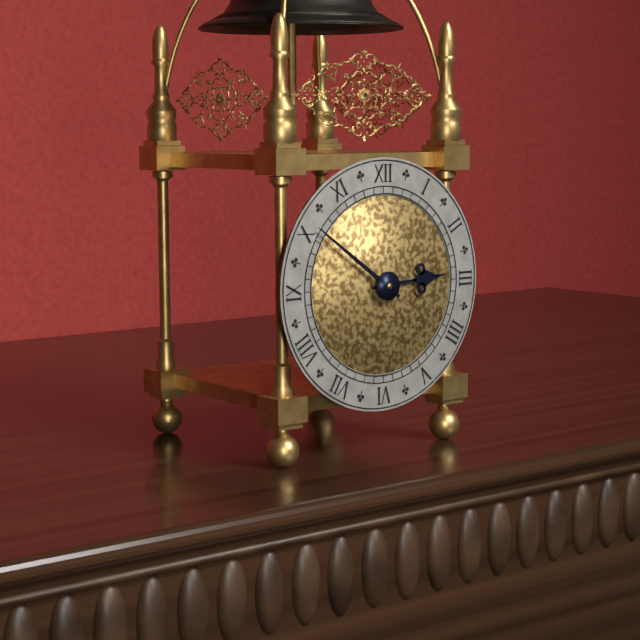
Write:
2,51
